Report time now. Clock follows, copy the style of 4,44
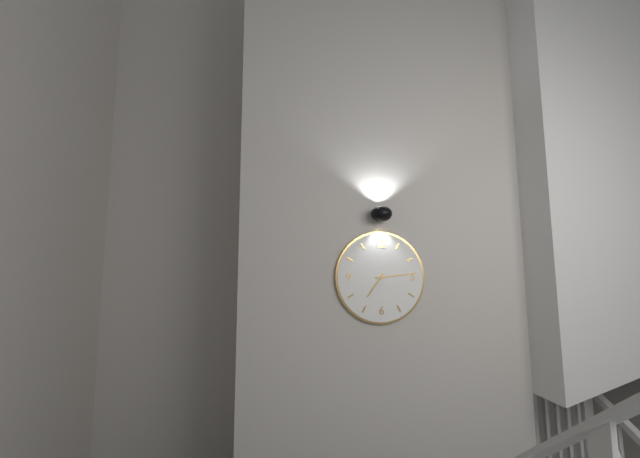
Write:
7,14
